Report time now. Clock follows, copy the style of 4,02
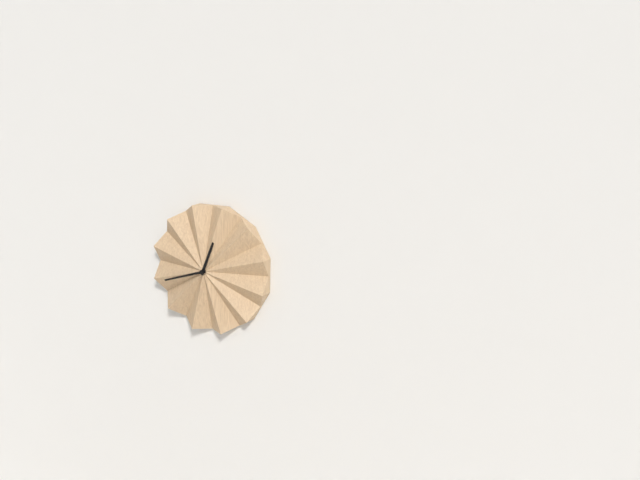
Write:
12,42
